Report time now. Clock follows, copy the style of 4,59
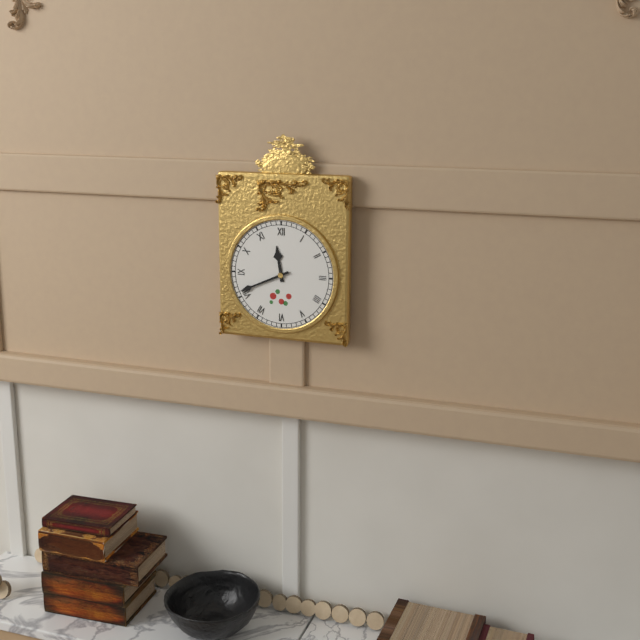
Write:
11,41
